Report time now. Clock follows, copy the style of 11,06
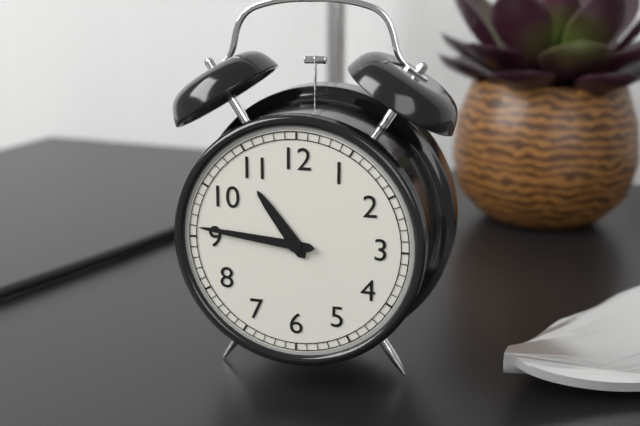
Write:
10,46
